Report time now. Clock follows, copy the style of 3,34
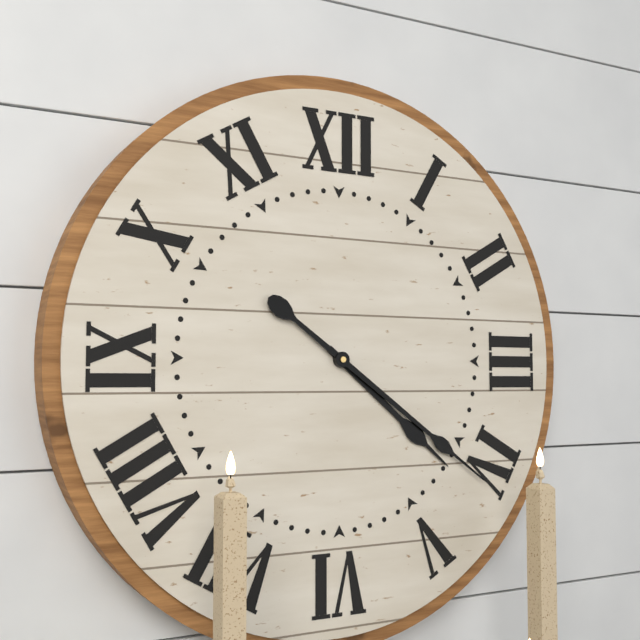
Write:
4,21
